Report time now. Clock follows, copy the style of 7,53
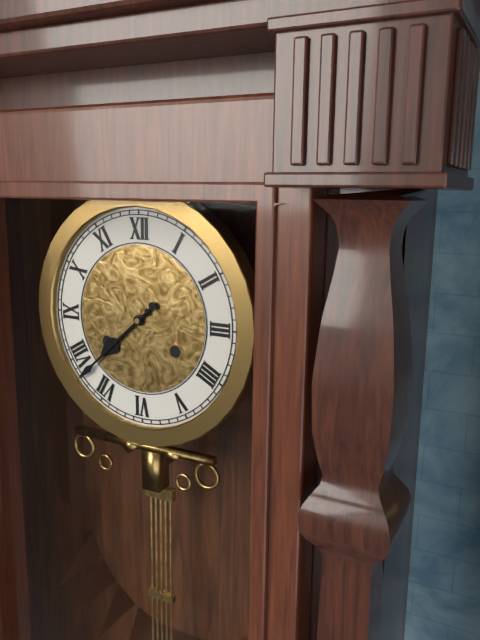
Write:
7,38
